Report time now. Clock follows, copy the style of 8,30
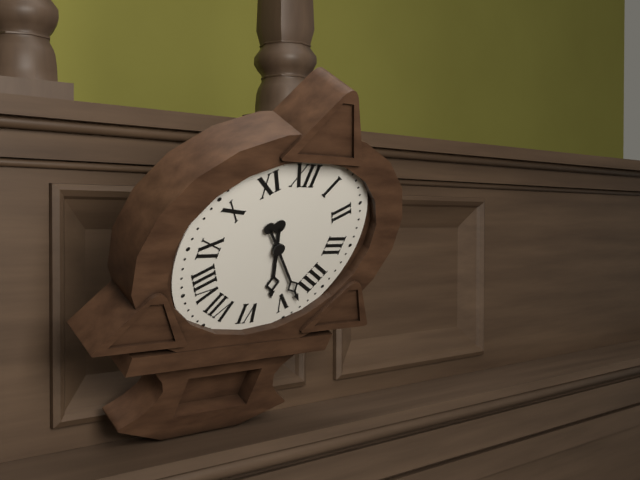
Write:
5,23
